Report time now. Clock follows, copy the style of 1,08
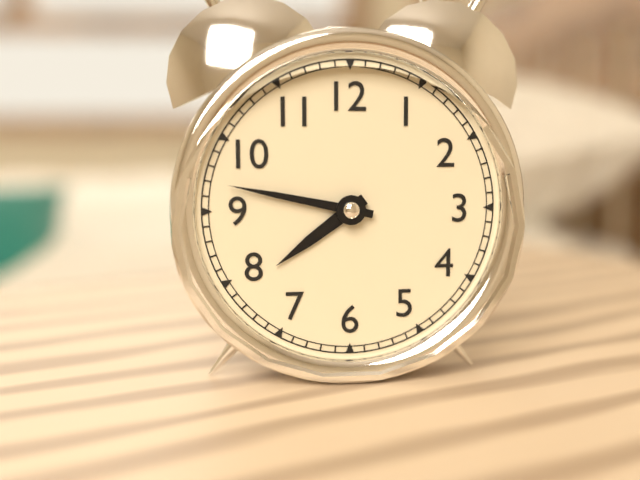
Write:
7,47
